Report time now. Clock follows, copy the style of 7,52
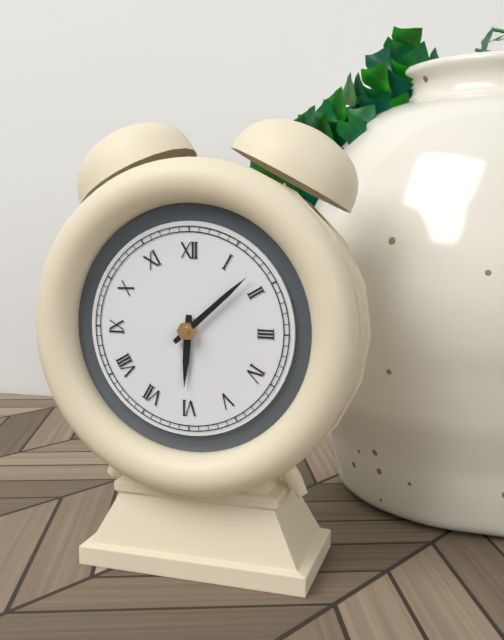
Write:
6,08
